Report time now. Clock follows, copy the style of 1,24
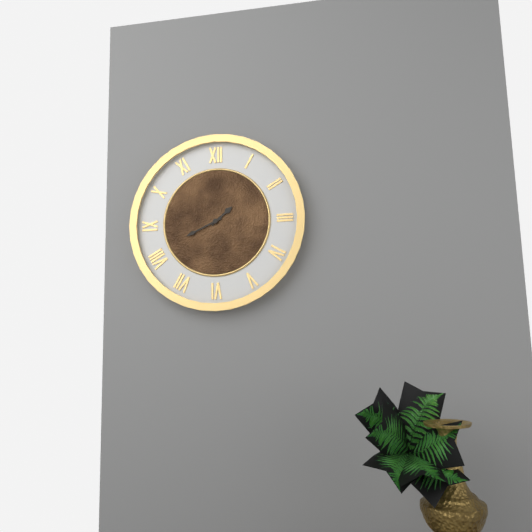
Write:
1,41
